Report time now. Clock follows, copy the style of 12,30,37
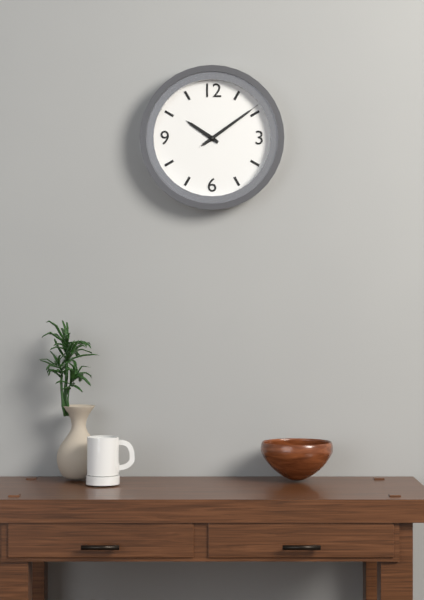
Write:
10,09,09
